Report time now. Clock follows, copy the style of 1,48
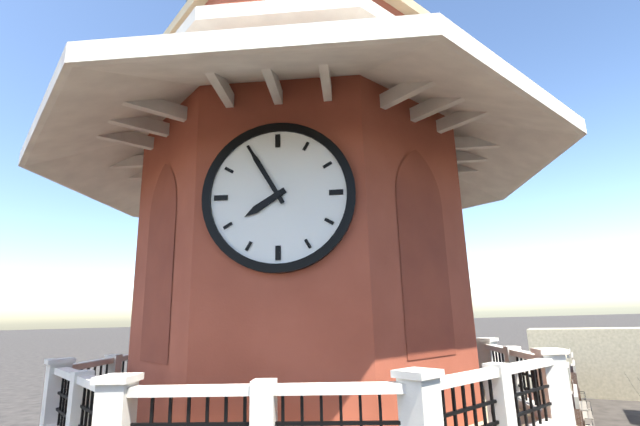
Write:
7,55
